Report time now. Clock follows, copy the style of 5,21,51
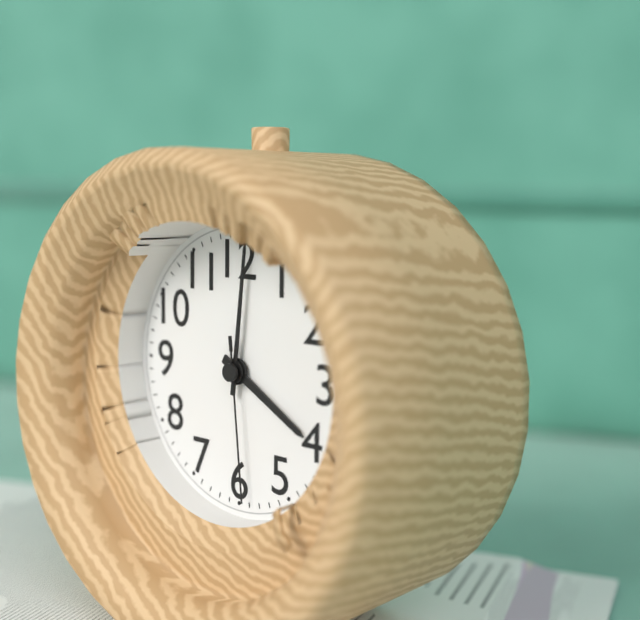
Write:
4,01,29
